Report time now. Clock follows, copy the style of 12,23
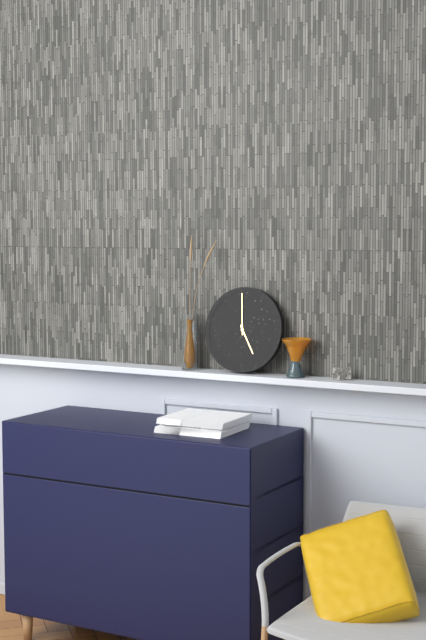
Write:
4,59
